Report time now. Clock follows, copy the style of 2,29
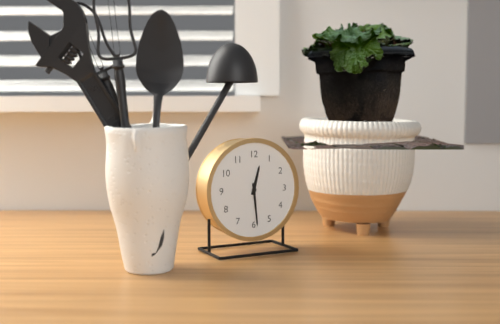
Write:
12,29
